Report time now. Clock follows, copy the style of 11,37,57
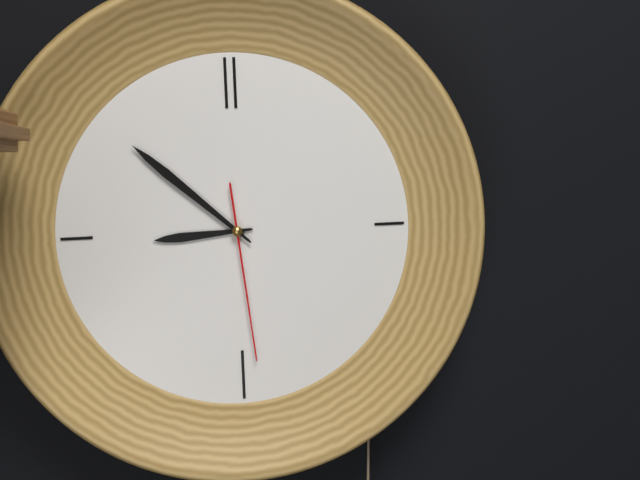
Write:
8,52,29
